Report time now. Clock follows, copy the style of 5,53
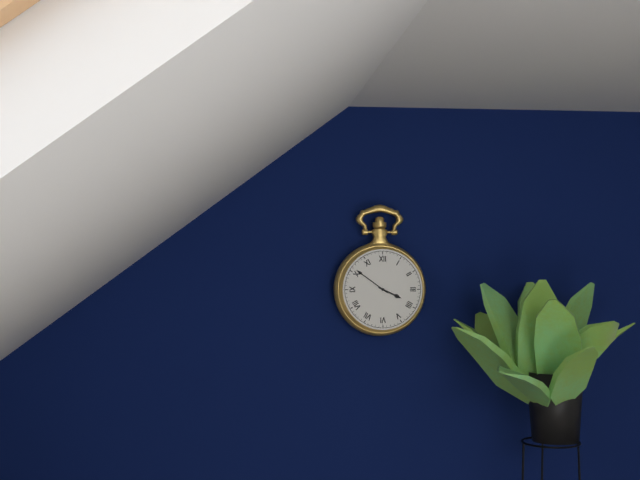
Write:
3,51
